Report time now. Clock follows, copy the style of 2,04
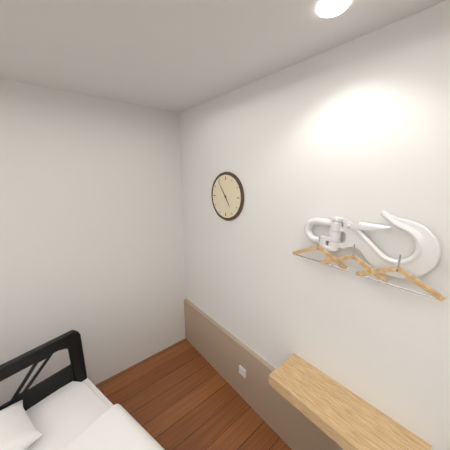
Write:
4,54
